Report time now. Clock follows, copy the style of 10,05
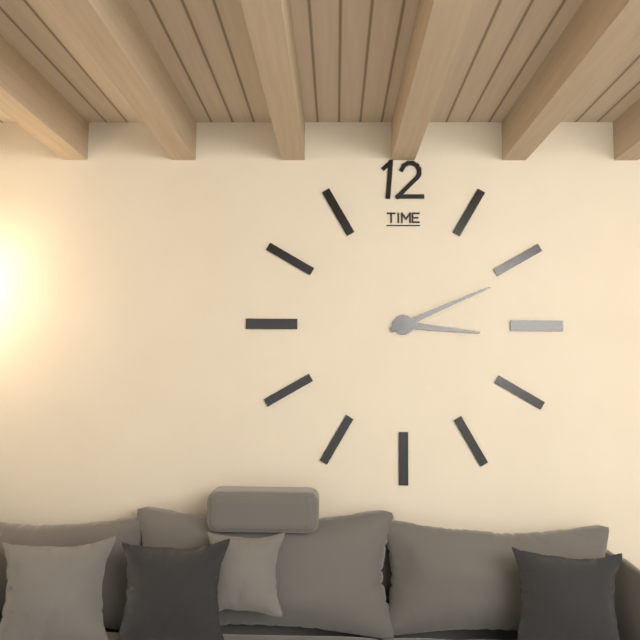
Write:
3,11
